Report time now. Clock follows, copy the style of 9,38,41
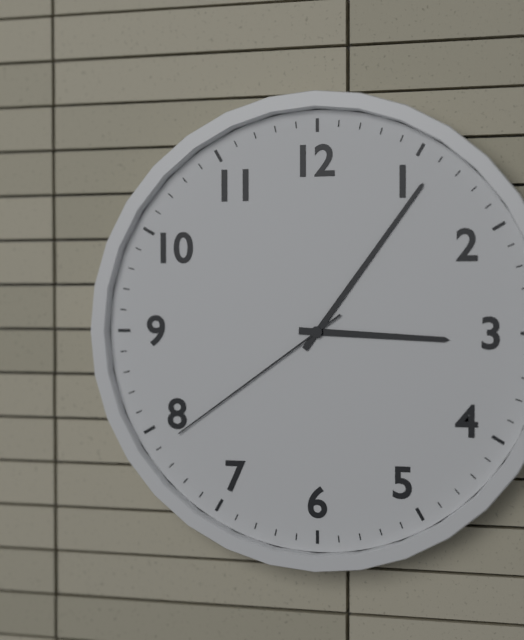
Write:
3,06,39
